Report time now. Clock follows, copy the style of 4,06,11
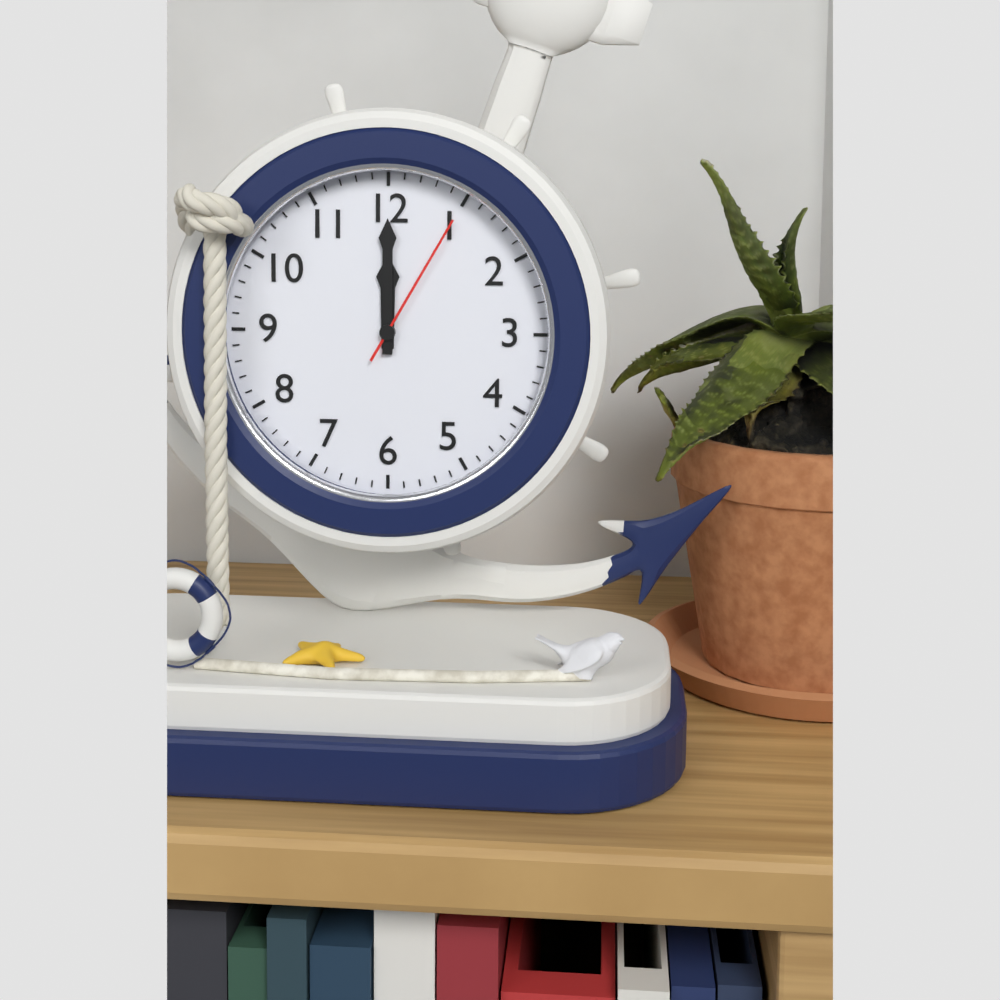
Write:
12,00,05
